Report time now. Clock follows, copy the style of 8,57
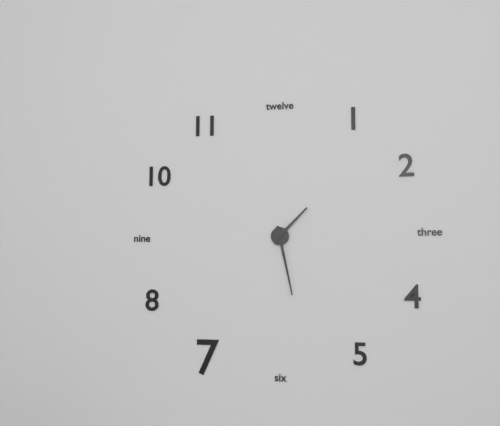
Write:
1,28
